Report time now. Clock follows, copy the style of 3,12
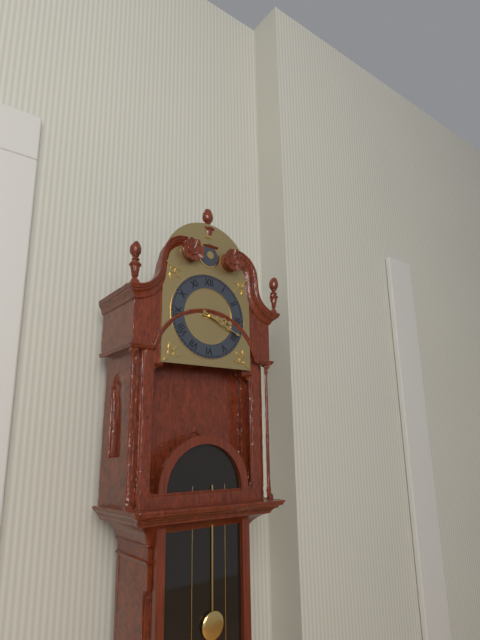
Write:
3,19
